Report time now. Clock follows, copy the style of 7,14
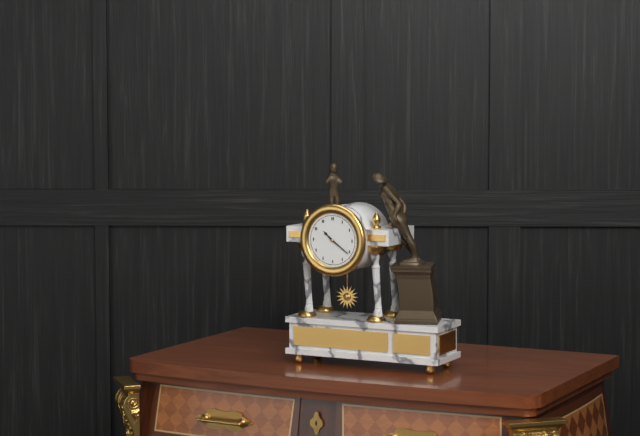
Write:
10,21
